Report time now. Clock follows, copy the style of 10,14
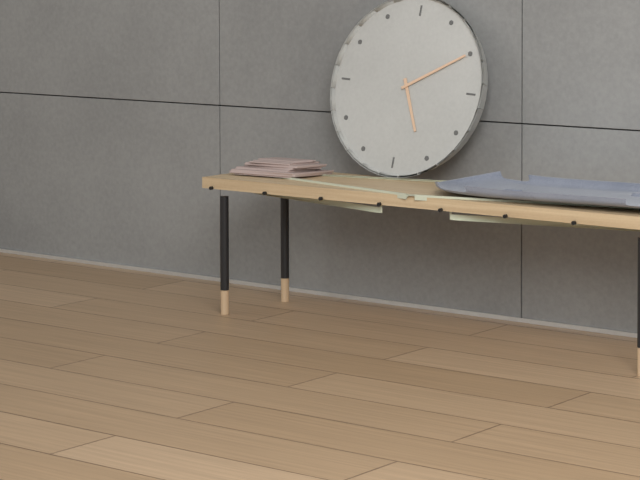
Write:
5,10
